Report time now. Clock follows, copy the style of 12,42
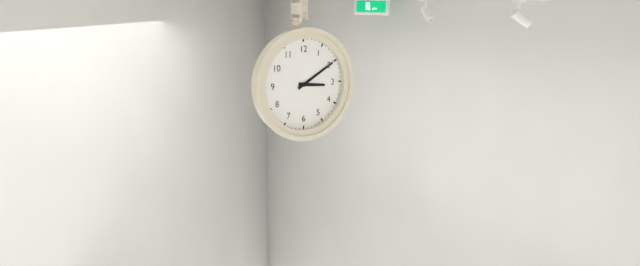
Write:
3,10
